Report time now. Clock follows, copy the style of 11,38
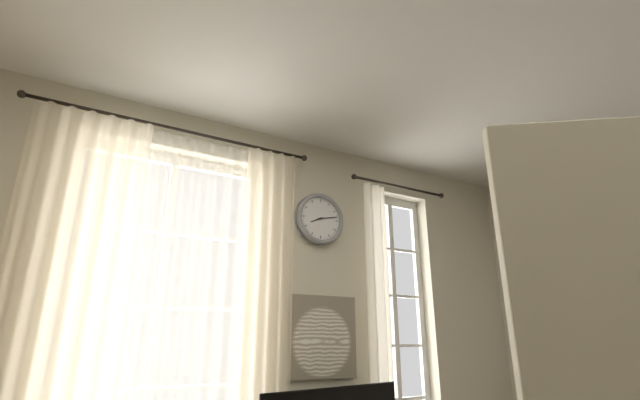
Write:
8,13
